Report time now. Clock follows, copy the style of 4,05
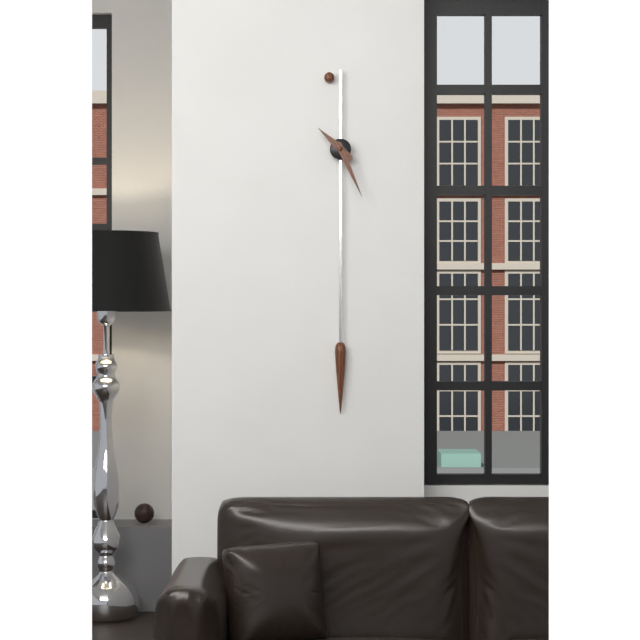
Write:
10,26
